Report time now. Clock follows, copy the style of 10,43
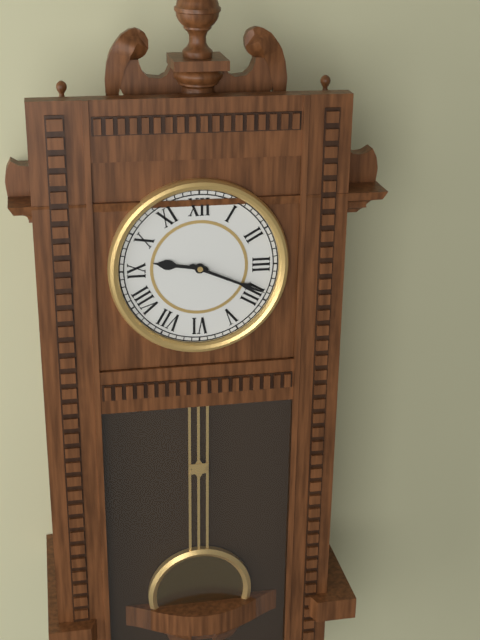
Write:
9,19
